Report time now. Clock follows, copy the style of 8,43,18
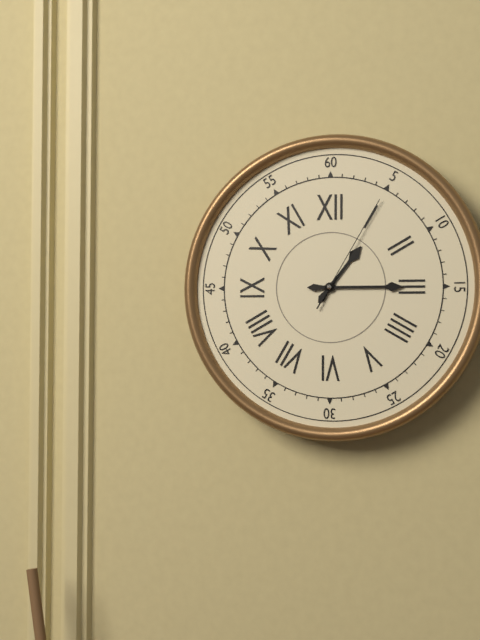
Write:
1,15,05
